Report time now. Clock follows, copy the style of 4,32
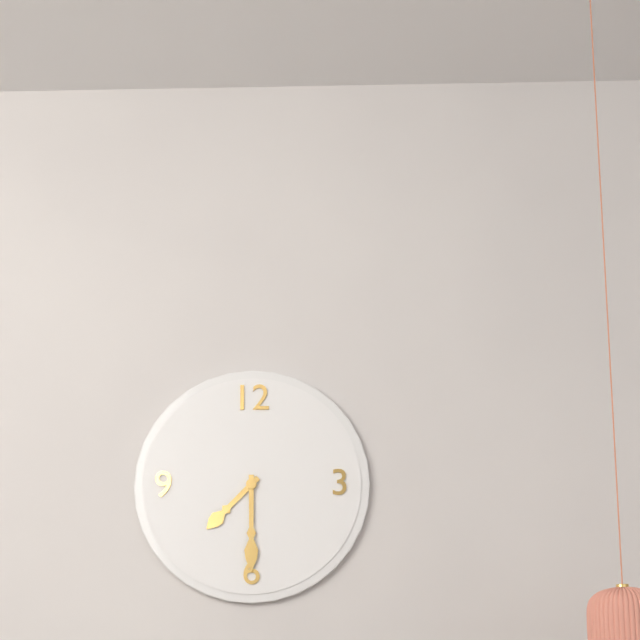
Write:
7,30
